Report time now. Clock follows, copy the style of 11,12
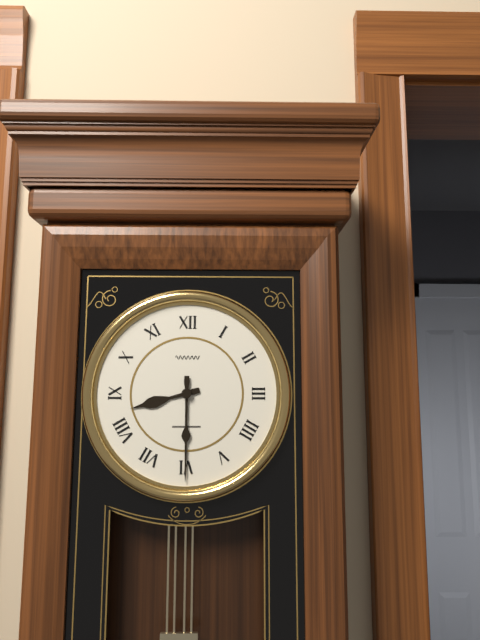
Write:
8,30
